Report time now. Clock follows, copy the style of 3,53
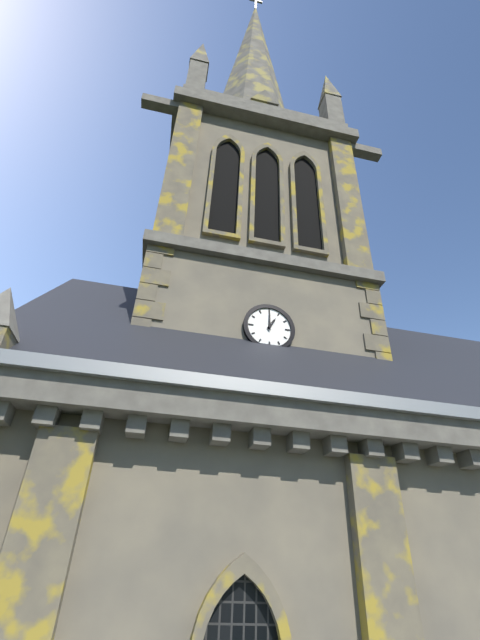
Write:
1,00
